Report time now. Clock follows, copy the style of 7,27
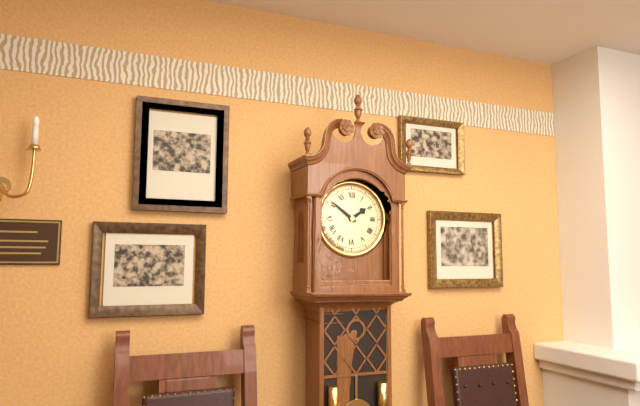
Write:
1,51
